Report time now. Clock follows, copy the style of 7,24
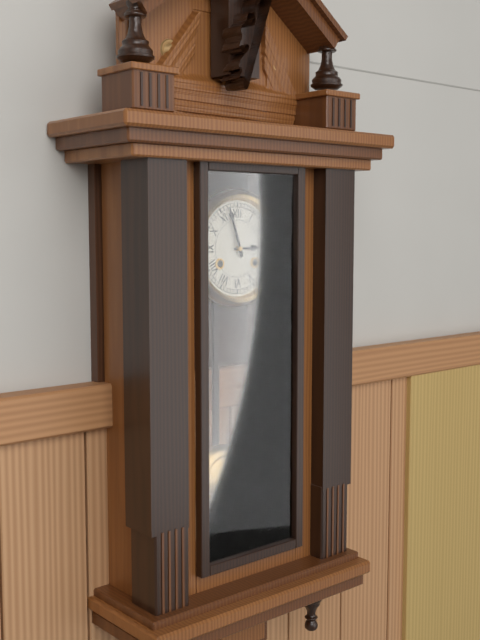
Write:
2,57
